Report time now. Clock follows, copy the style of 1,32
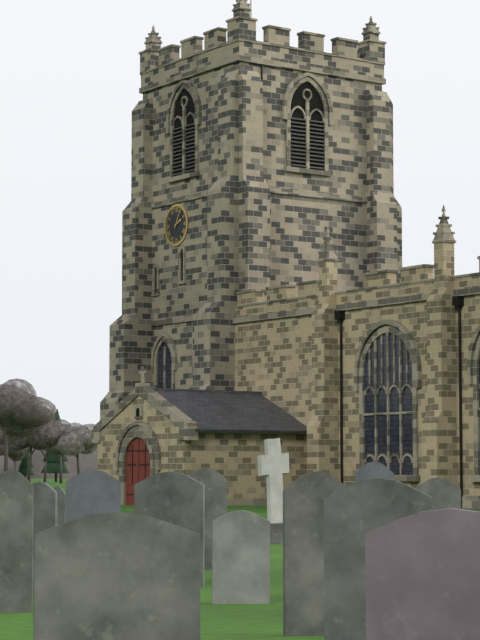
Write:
2,05
